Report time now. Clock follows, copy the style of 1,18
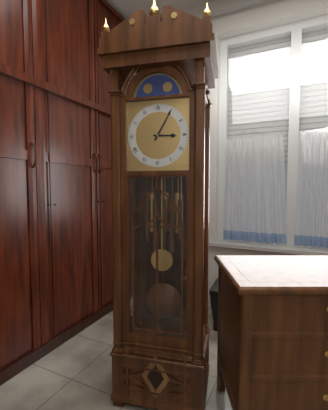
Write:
3,05
